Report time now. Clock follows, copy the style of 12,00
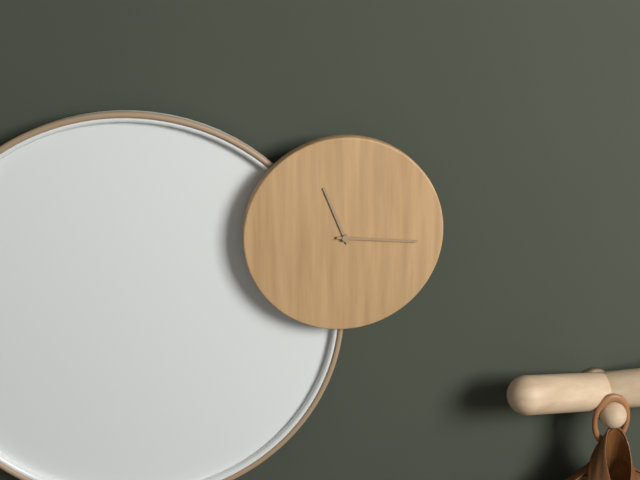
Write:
11,16
